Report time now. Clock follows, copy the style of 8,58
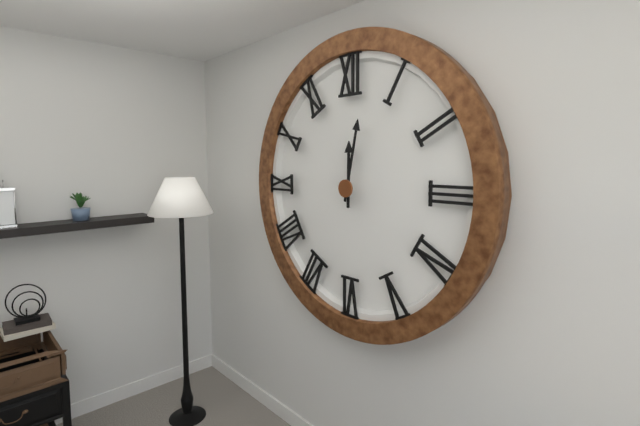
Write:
12,02
